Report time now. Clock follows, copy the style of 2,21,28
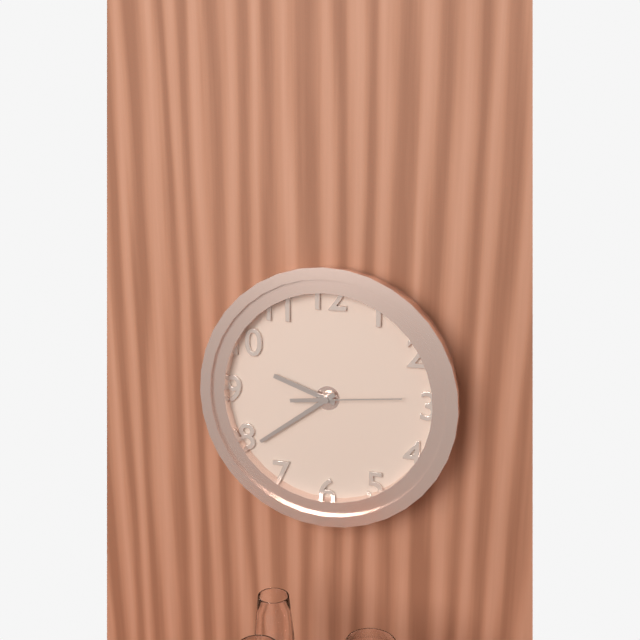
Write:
9,39,14
